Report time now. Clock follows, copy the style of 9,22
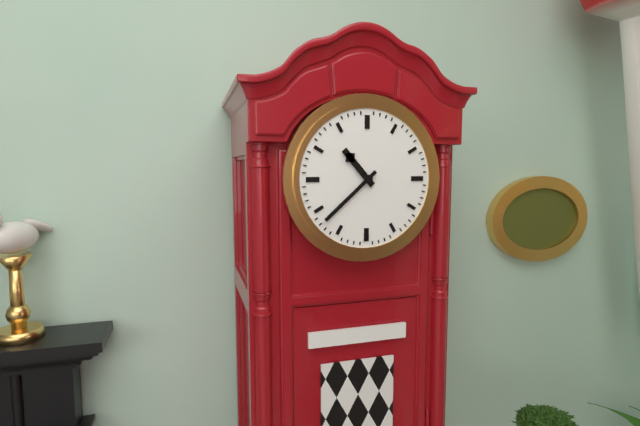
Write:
10,38
